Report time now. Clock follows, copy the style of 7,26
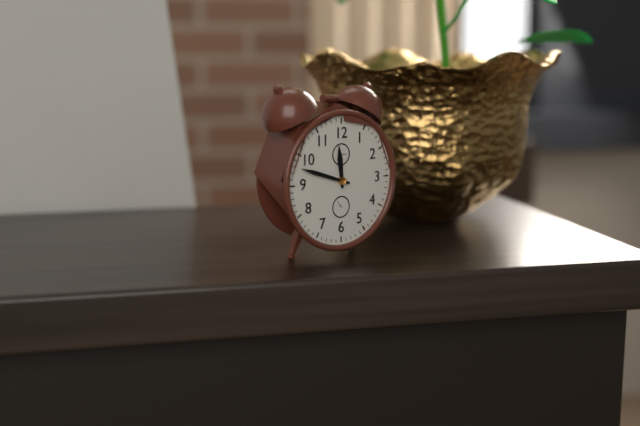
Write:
11,48
